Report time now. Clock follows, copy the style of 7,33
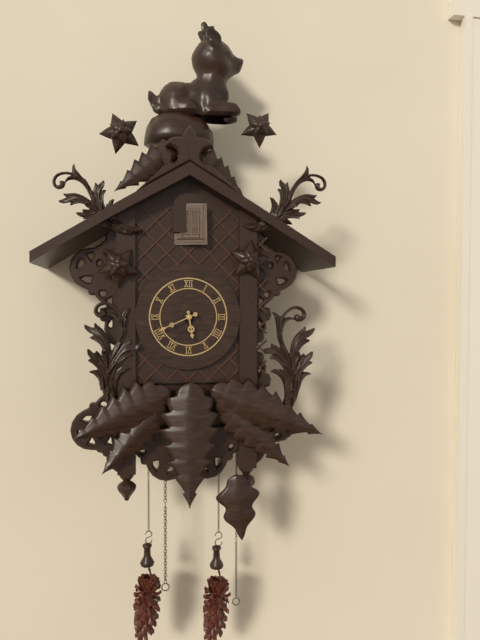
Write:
5,41
